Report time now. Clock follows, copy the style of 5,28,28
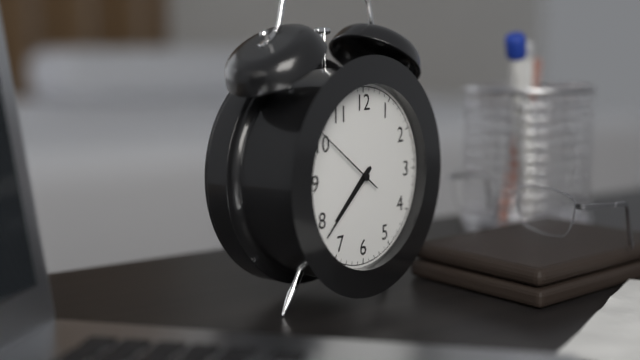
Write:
7,38,51
